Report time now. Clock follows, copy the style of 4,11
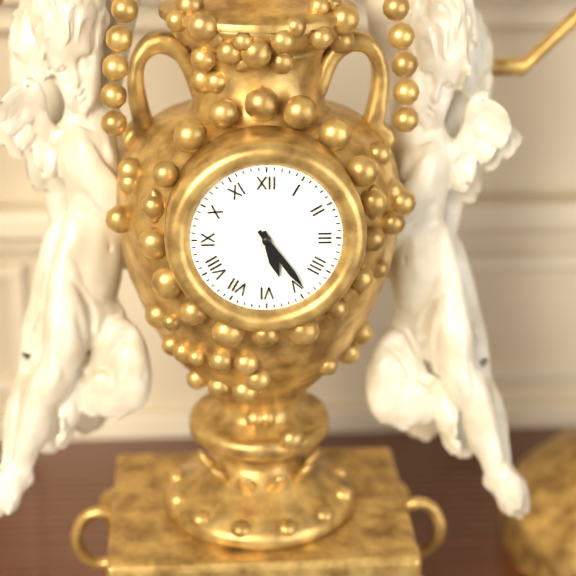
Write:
5,24
